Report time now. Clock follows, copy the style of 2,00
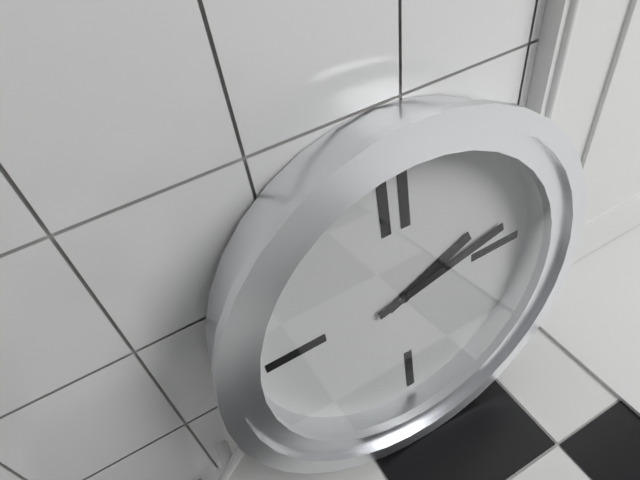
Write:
2,13
